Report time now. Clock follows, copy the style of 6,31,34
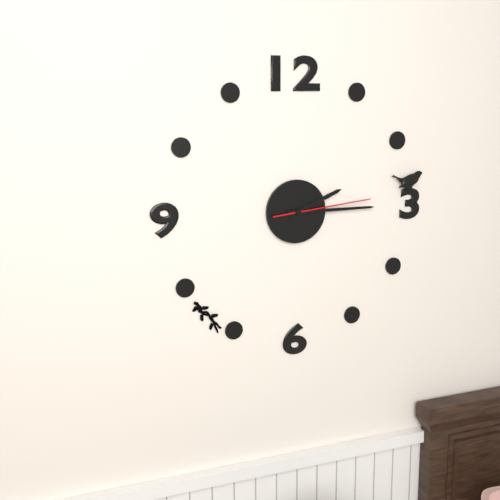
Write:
2,15,14
